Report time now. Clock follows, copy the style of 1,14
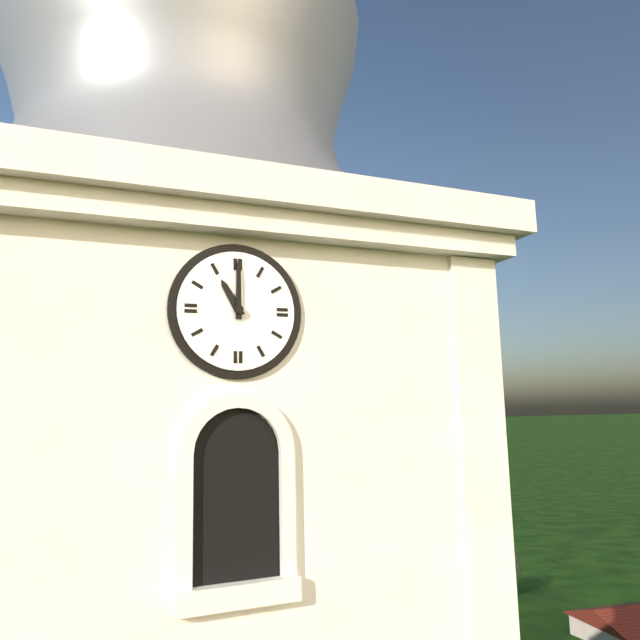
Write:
11,00
